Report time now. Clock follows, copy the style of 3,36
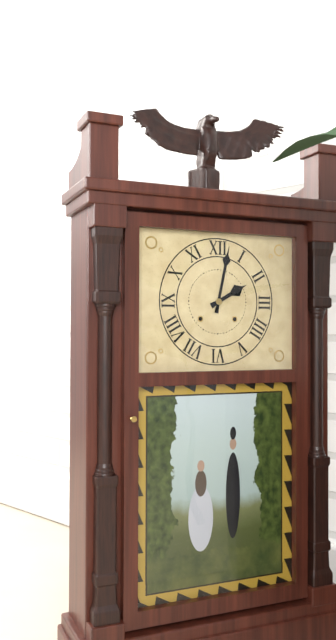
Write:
2,02
